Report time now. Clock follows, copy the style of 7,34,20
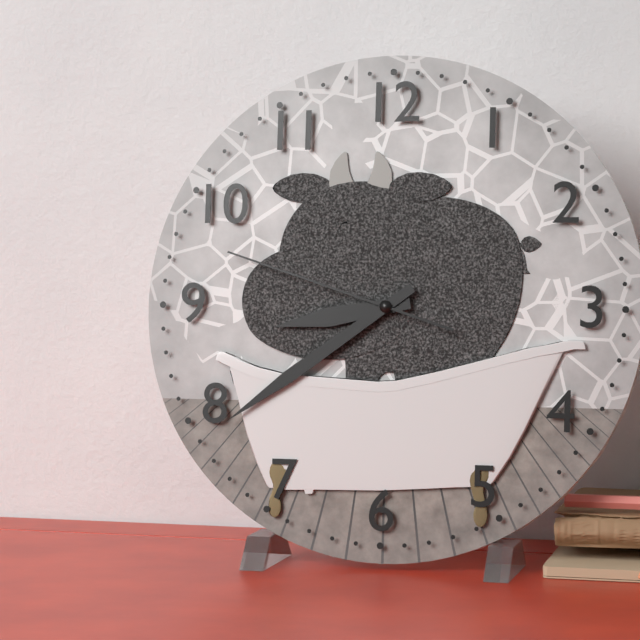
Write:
8,39,48
